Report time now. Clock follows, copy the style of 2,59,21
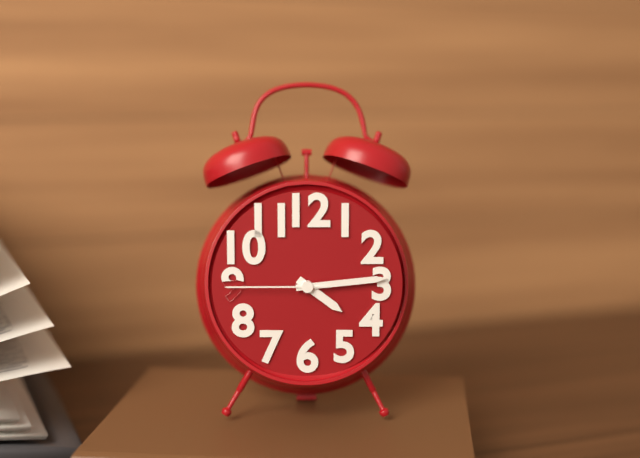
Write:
4,14,45
